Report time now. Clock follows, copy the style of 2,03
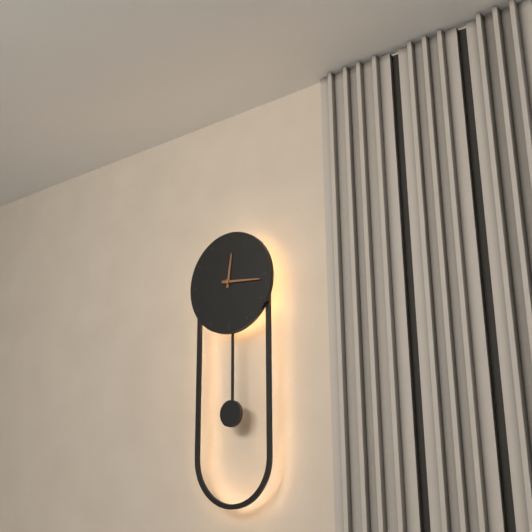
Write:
12,16
